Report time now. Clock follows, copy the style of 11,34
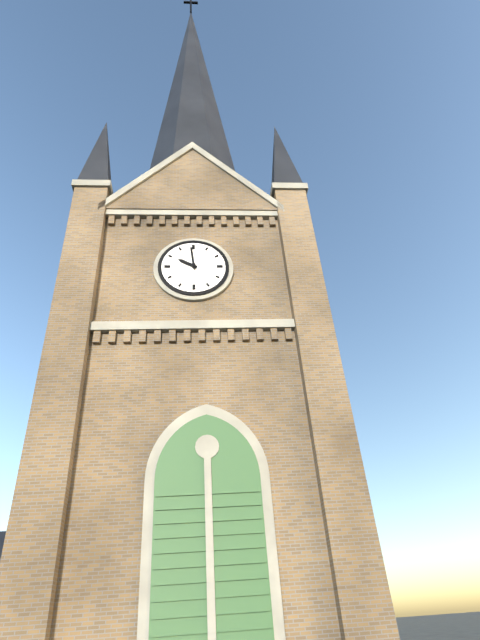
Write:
9,59
